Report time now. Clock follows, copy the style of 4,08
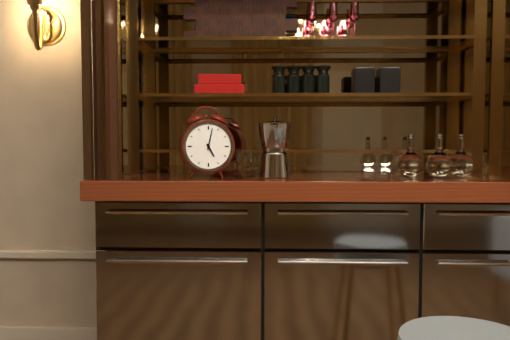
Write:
5,02
